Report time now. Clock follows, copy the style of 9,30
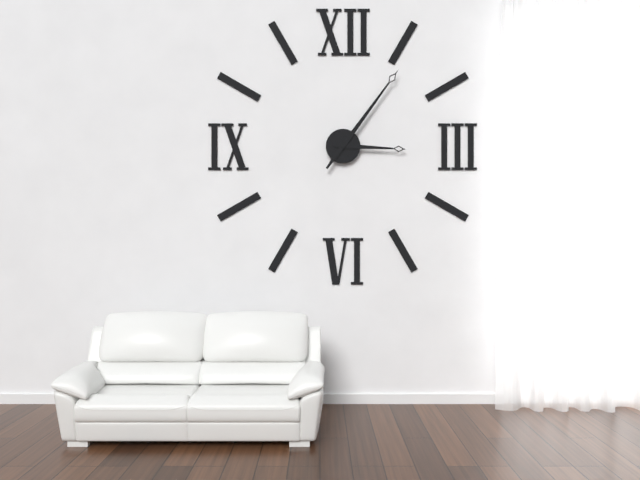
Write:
3,06
